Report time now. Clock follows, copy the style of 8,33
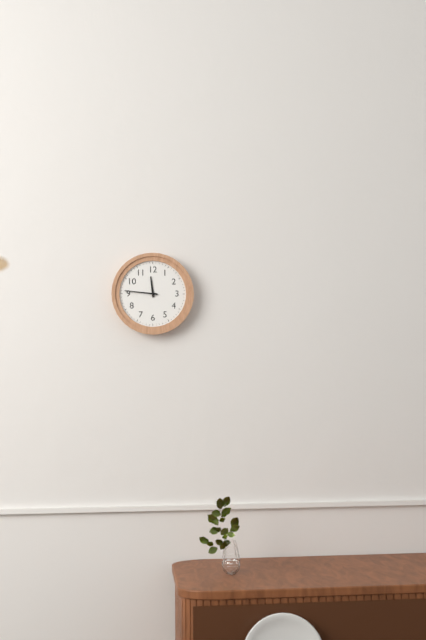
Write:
11,46
